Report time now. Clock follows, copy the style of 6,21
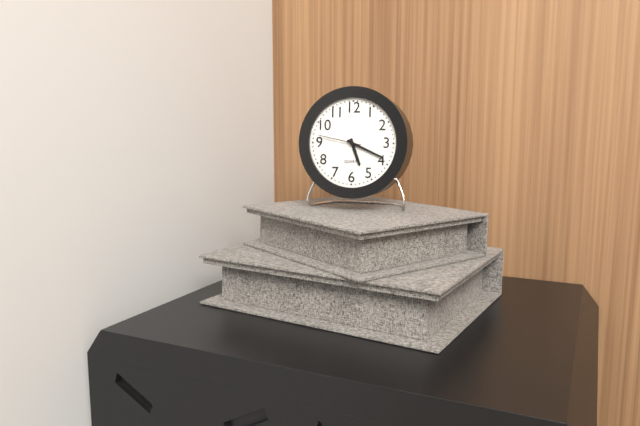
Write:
5,19
